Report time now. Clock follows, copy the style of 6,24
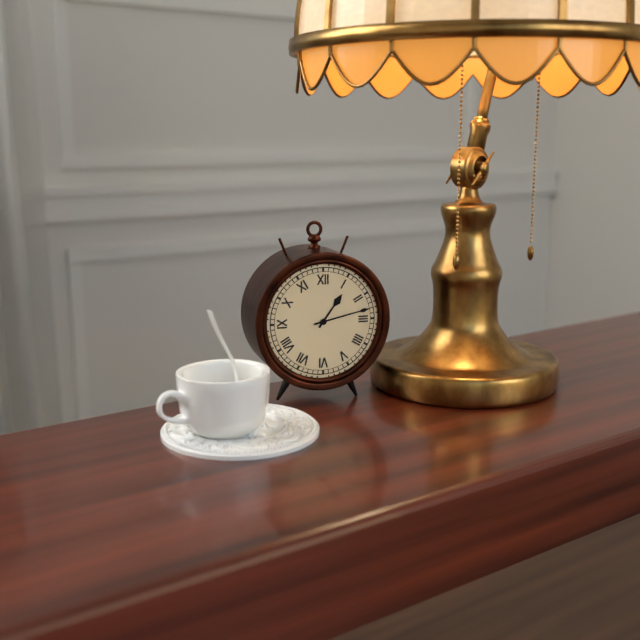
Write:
1,13
